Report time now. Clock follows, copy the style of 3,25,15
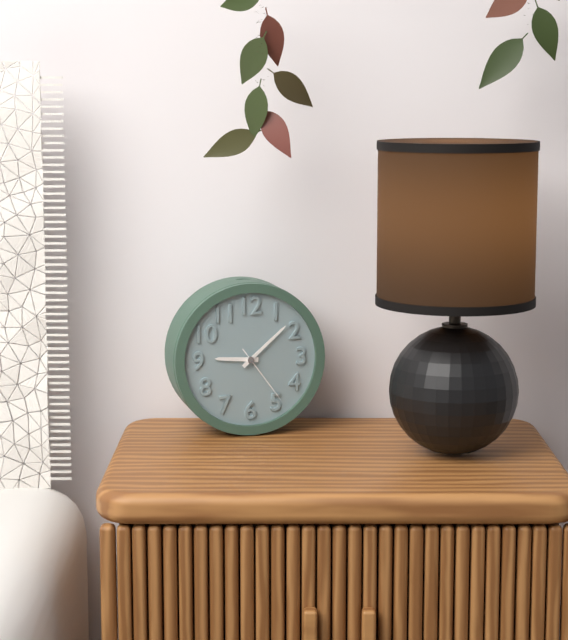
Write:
9,08,24
